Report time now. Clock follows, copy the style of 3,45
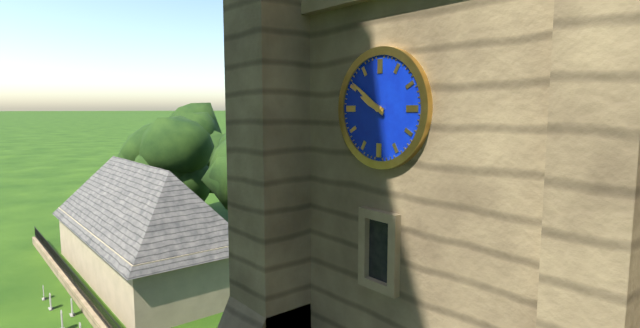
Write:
9,51
